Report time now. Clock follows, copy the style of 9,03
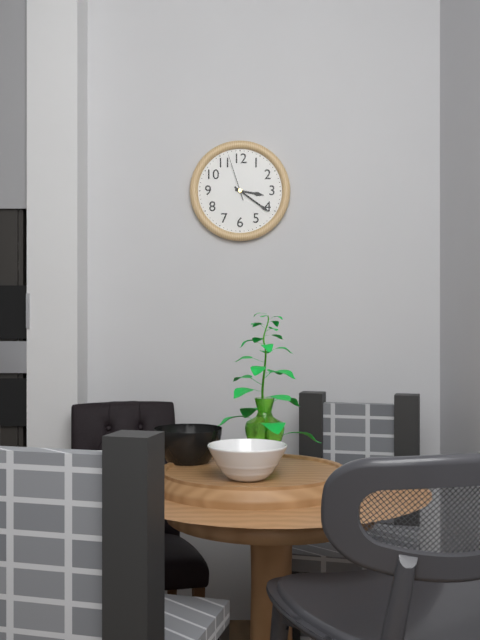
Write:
3,21
